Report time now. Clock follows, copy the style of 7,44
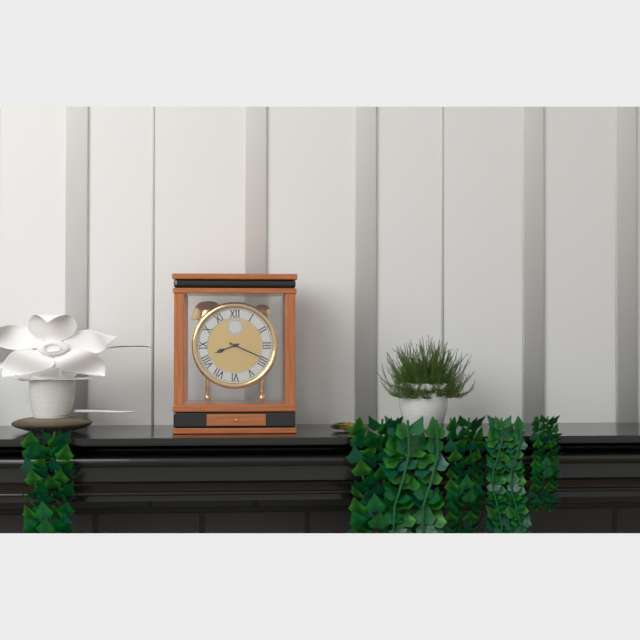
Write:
8,19
